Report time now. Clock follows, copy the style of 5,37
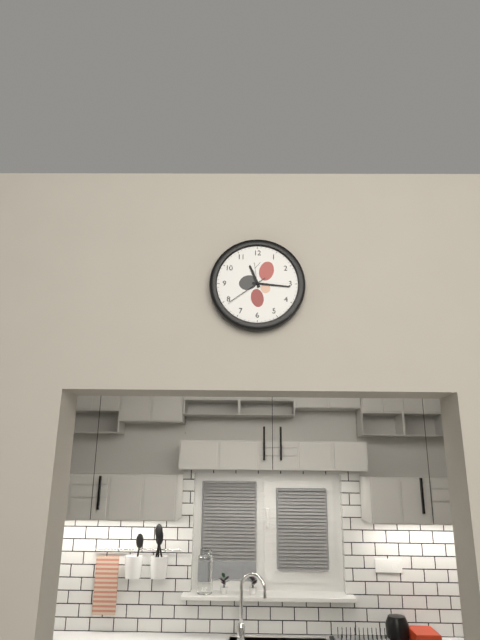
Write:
11,16
